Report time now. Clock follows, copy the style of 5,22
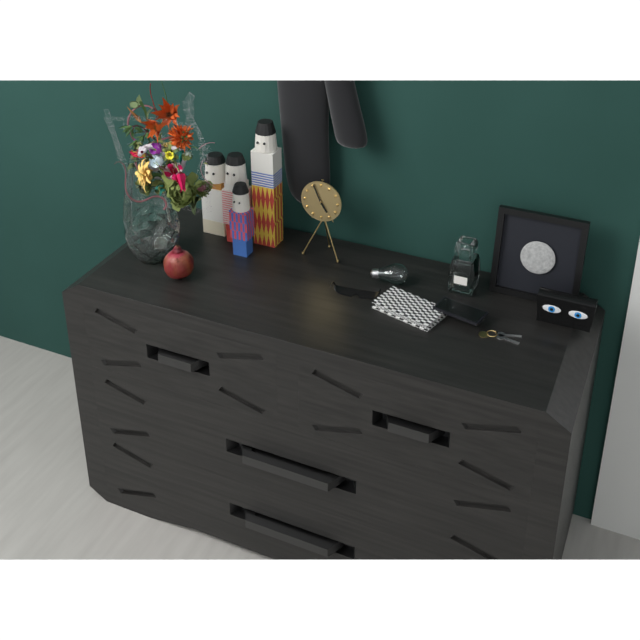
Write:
4,56
